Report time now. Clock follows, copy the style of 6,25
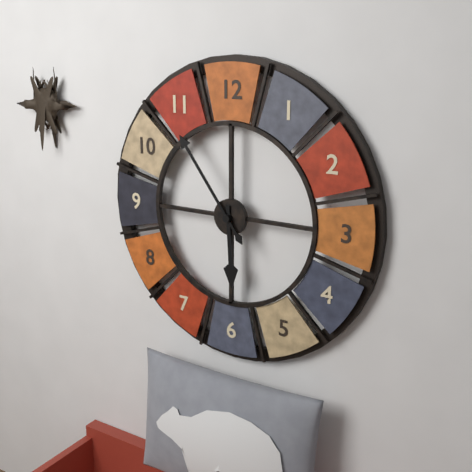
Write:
5,54
